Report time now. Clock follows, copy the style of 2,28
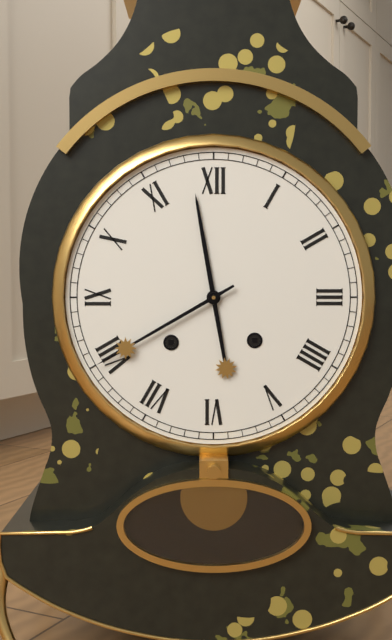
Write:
11,40
